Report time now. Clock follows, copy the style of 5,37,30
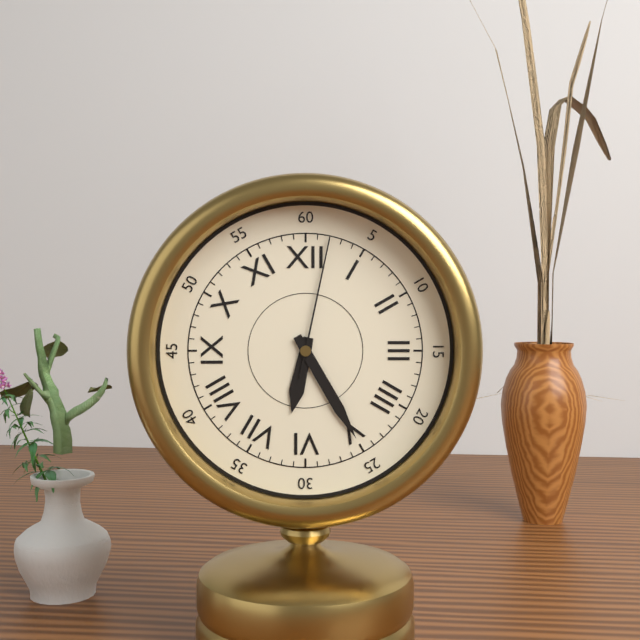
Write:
6,25,02
